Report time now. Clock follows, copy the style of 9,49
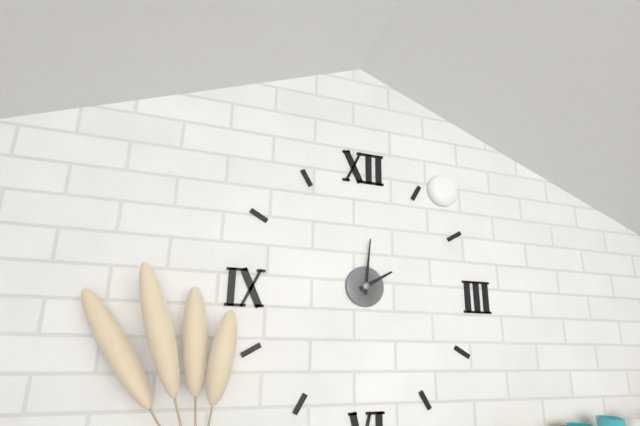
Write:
2,01
